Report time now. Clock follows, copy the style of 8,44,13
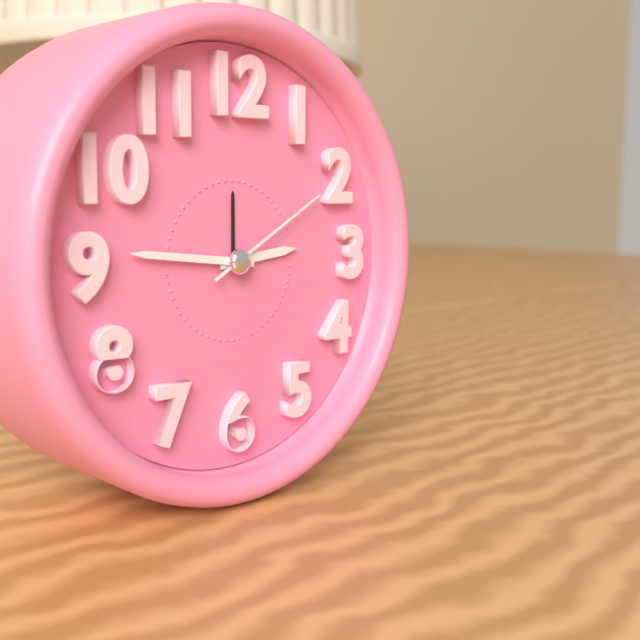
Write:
2,46,10
